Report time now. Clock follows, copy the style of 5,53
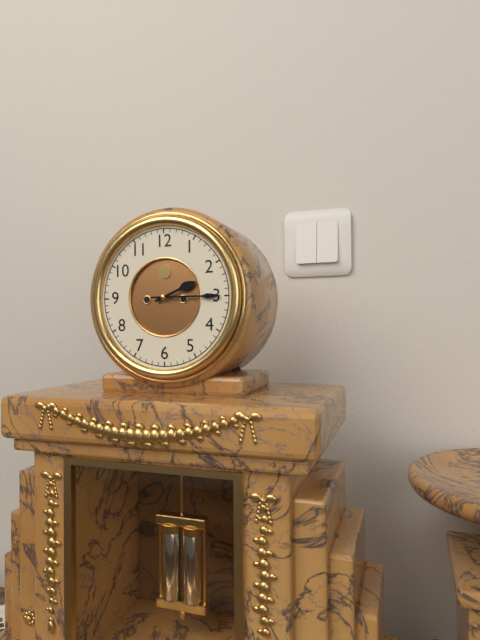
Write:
2,15
